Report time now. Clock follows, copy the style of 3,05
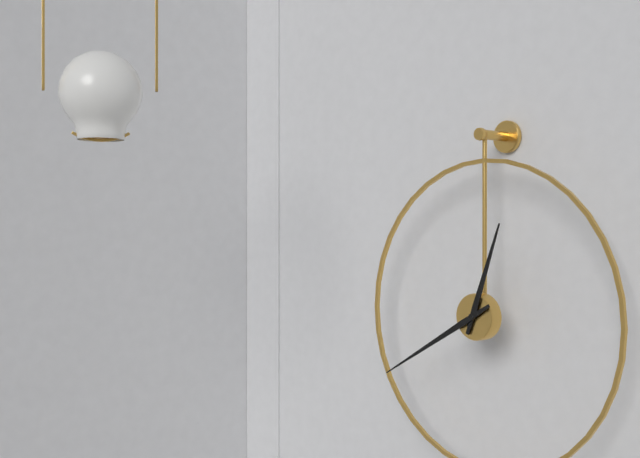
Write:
12,40
